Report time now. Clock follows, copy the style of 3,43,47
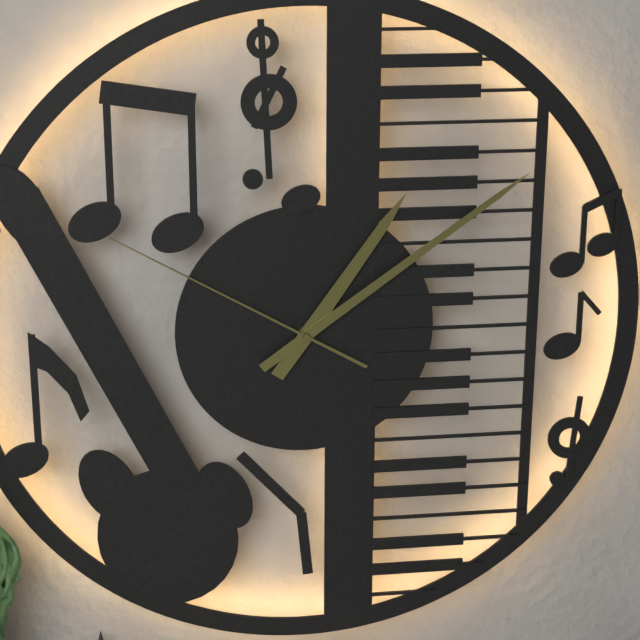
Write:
1,09,50
